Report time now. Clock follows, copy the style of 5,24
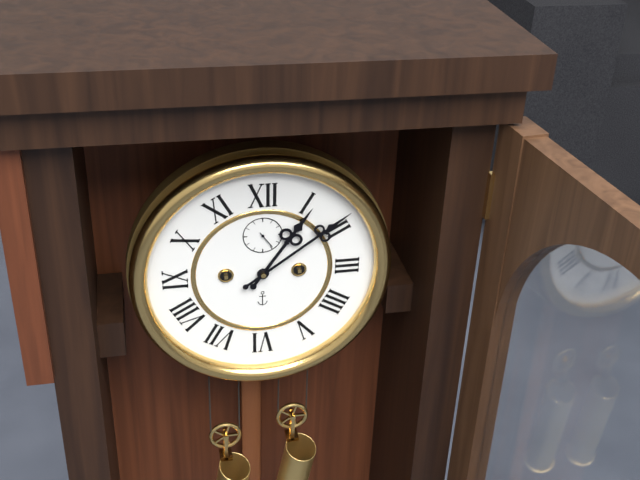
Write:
1,09
